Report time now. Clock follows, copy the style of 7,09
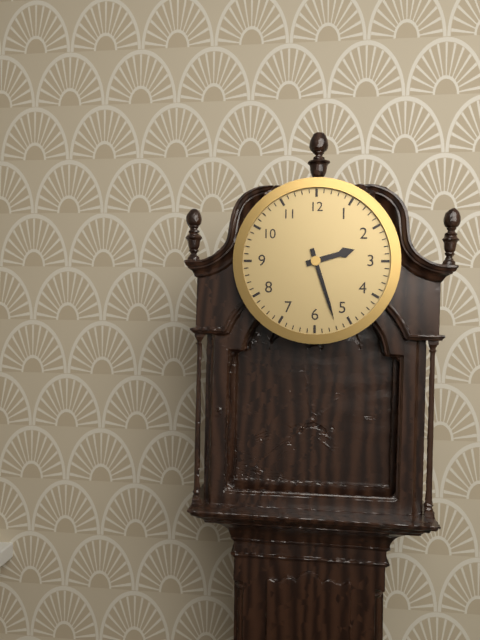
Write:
2,27
